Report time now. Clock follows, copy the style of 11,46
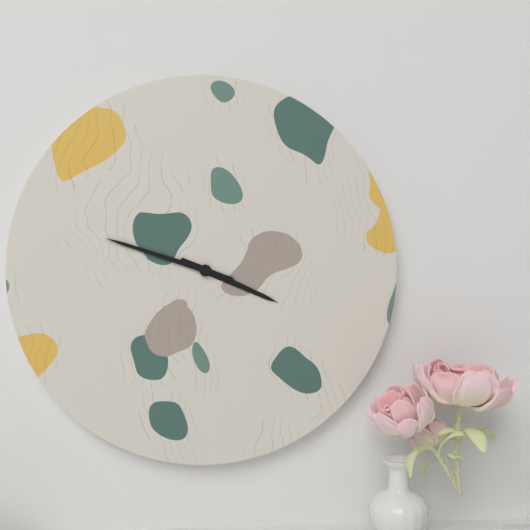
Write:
3,48
